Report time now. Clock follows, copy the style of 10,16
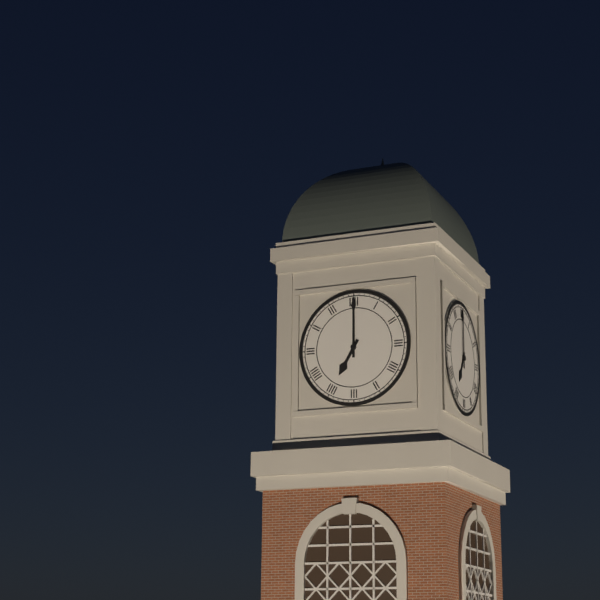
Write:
7,00
